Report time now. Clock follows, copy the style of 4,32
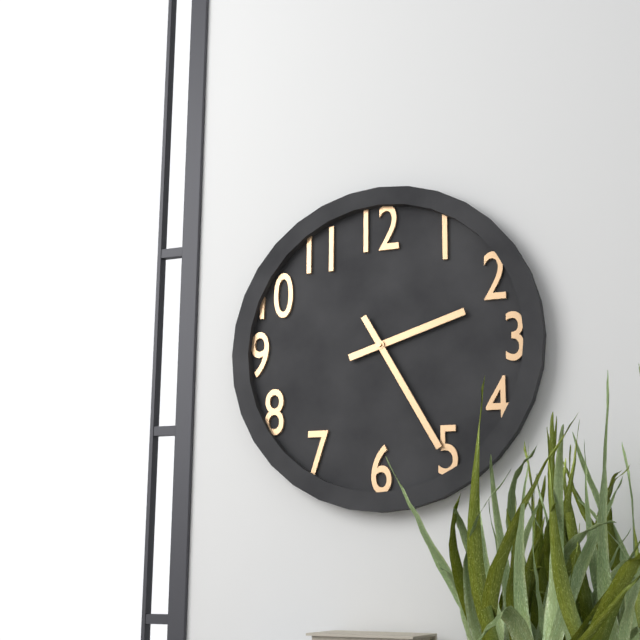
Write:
2,25
